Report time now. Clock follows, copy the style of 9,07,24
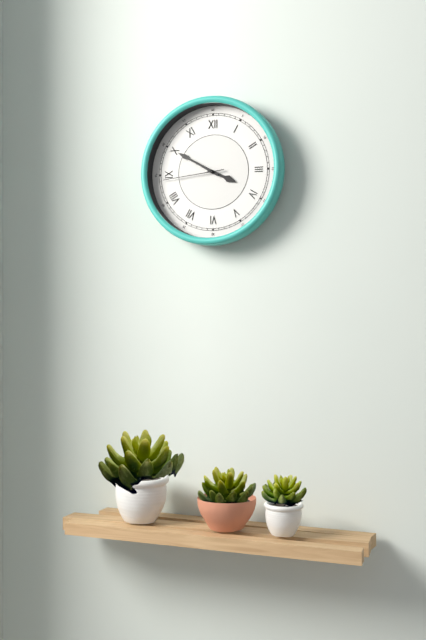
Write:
3,50,44
